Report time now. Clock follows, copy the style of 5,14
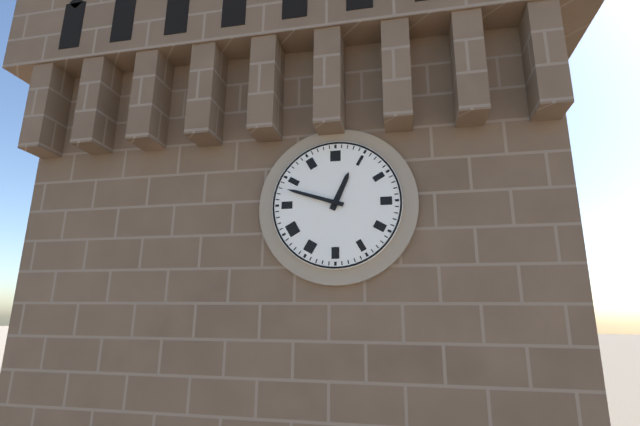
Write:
12,48
